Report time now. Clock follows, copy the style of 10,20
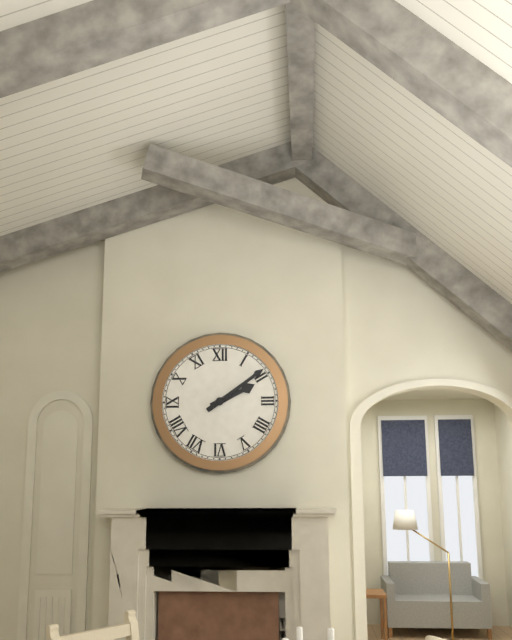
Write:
2,09
